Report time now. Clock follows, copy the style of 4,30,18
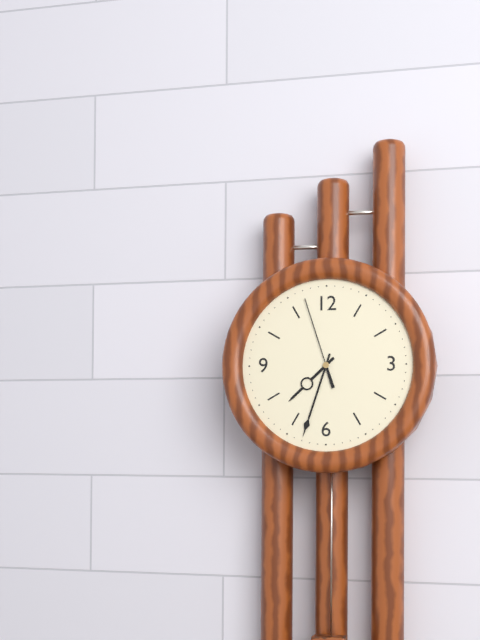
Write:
7,33,57
